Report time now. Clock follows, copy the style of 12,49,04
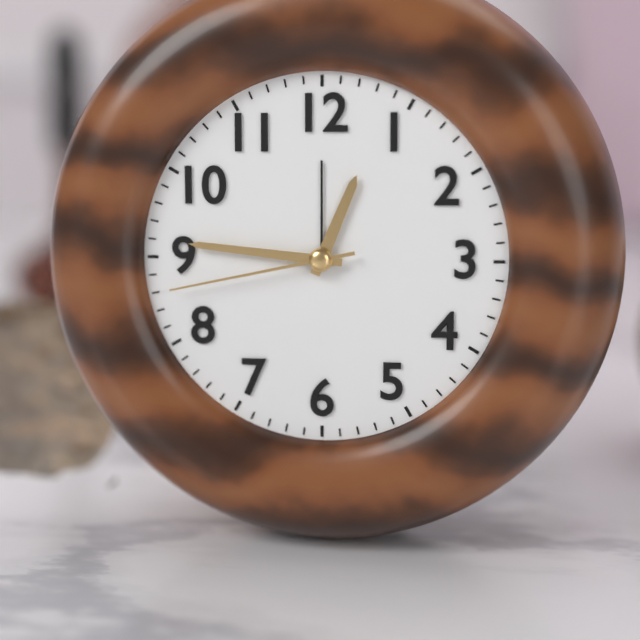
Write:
12,46,43
